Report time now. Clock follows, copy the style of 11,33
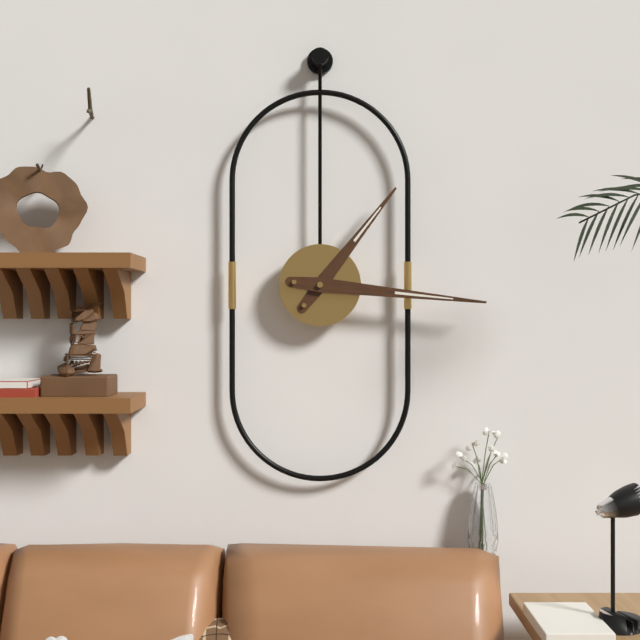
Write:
1,16
